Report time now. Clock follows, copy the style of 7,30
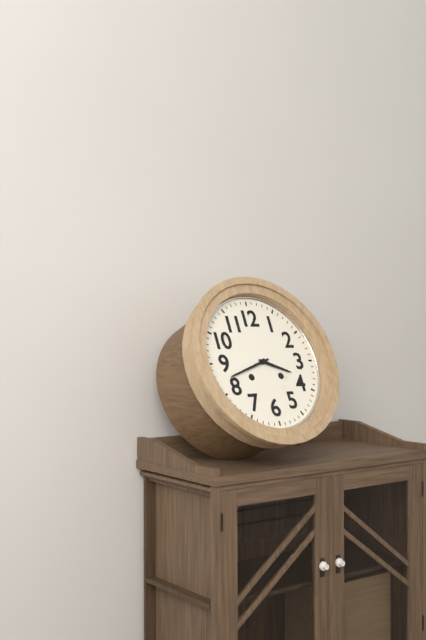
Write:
3,42
